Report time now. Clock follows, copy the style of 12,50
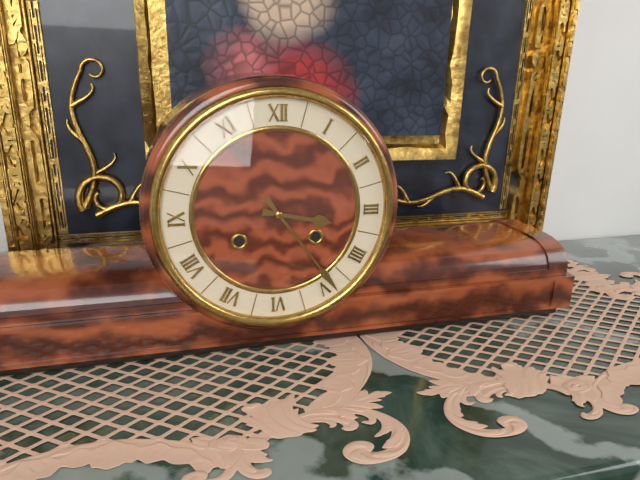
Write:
3,24
